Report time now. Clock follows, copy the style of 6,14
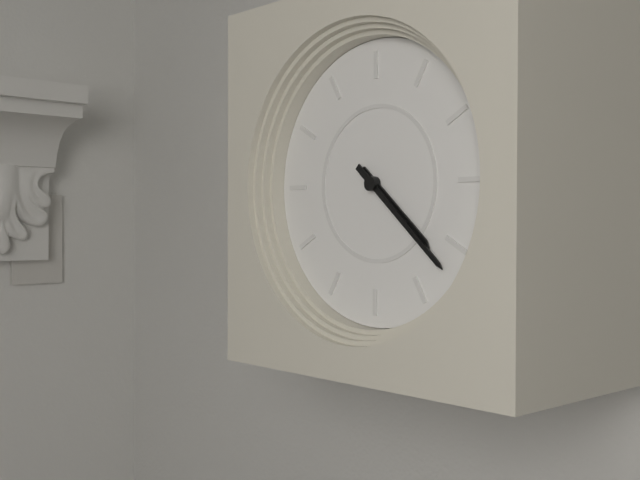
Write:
4,22
